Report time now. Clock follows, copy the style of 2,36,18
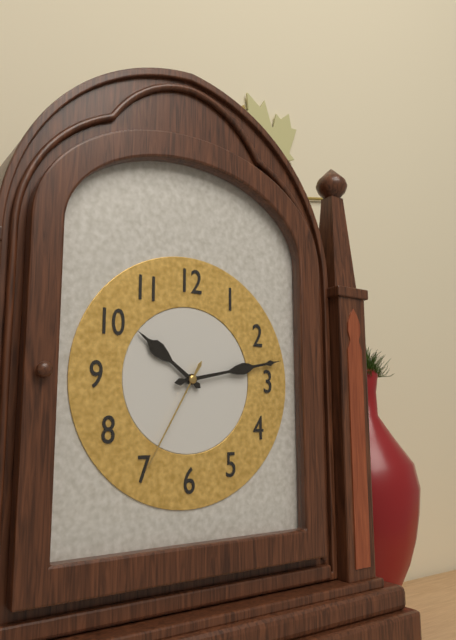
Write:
10,13,35
